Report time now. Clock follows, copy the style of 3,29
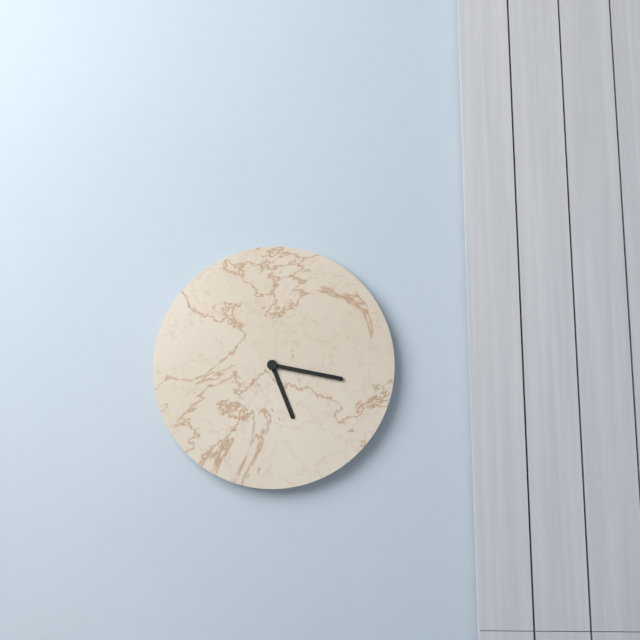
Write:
5,17
